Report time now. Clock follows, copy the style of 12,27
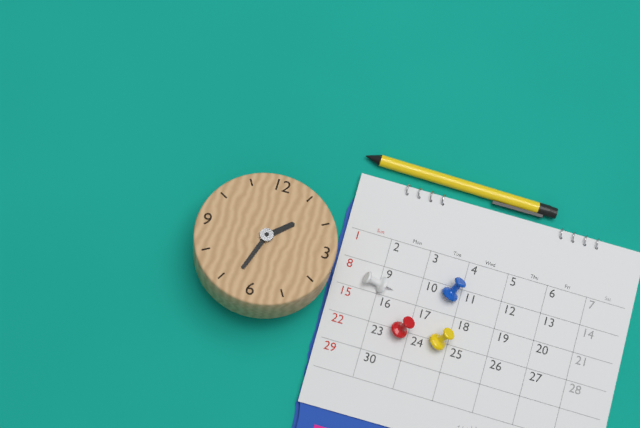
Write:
1,33
